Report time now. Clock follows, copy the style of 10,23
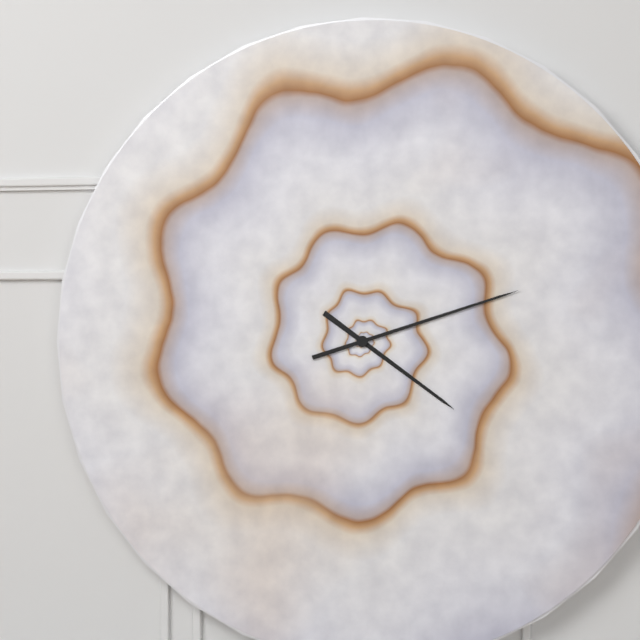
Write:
4,12
